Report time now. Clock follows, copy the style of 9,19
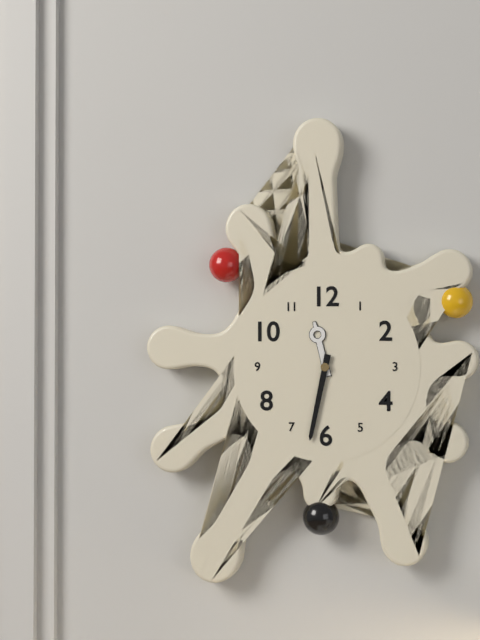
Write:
11,32
